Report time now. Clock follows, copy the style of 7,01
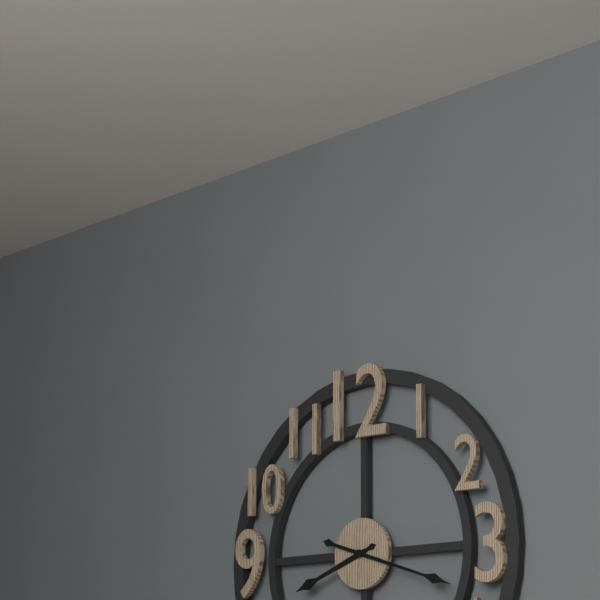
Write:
8,18
